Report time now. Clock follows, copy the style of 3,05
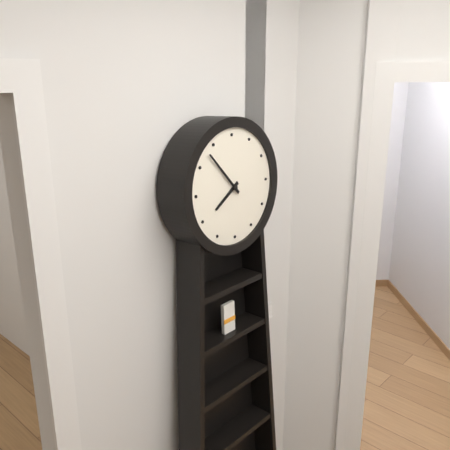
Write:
7,53
